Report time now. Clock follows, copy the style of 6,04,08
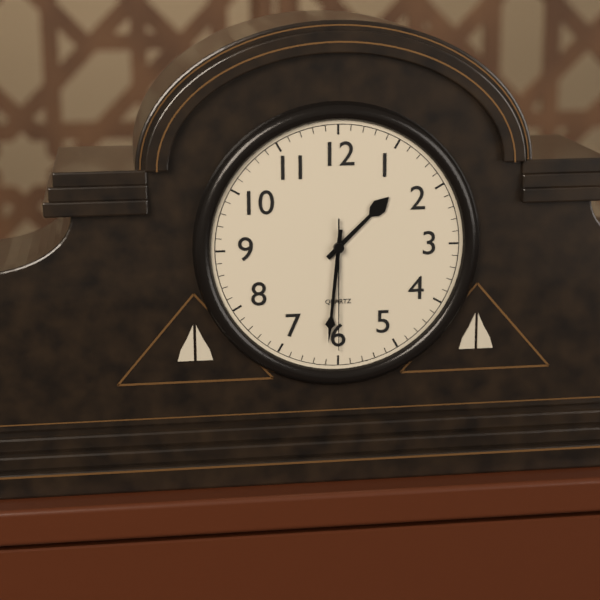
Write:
1,31,30
